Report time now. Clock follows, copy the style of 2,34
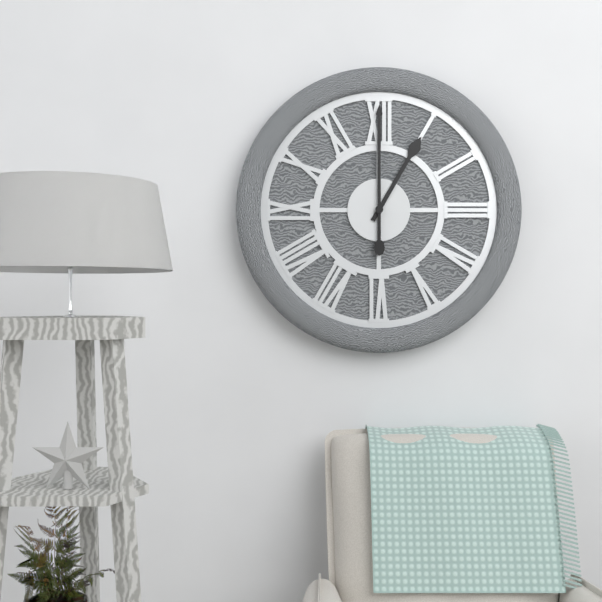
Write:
1,00
